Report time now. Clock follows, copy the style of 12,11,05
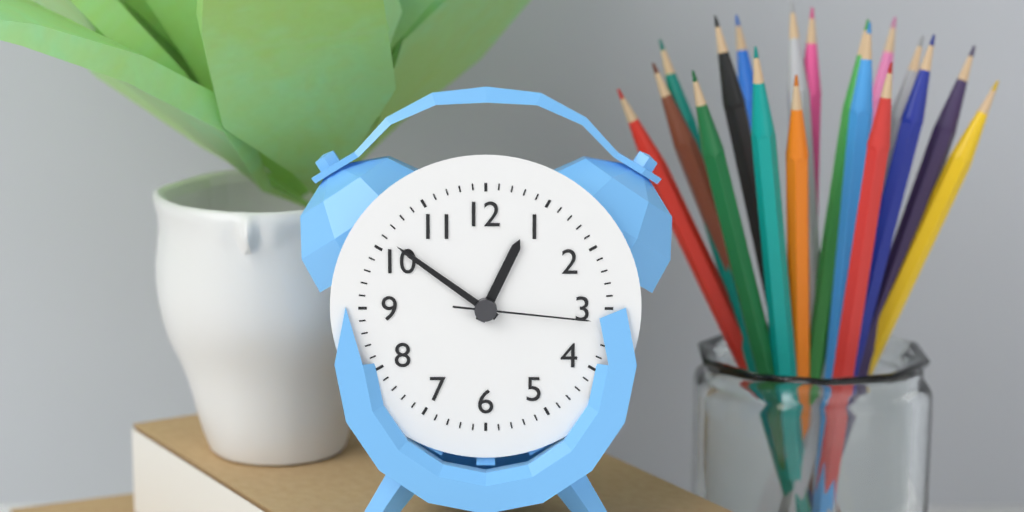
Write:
12,51,16
